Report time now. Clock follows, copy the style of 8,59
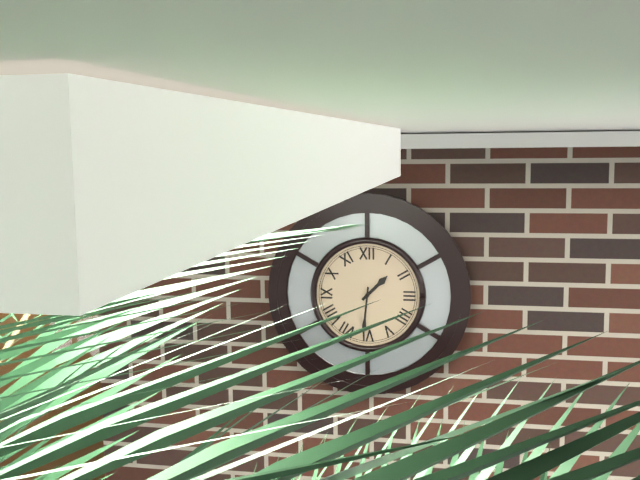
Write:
1,31
